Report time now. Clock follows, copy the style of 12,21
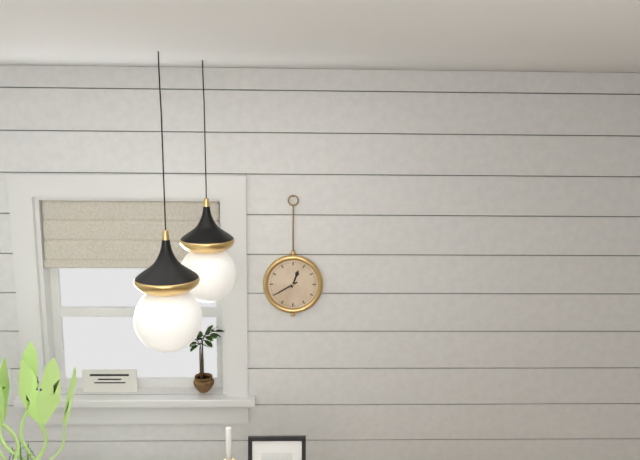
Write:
12,40
